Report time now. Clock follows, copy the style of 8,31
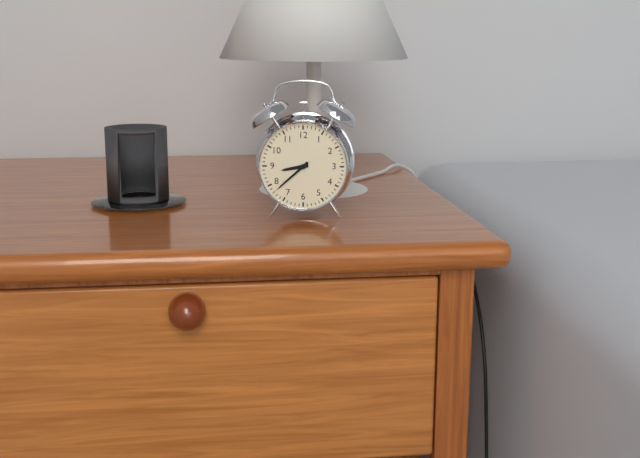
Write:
8,38
